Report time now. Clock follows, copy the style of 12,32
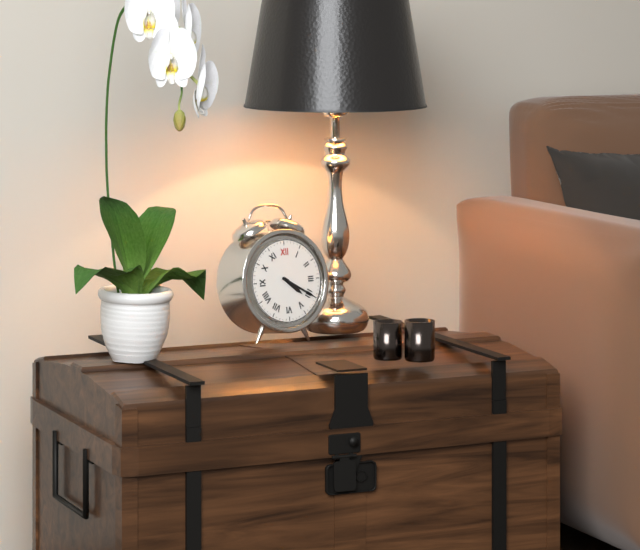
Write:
4,20
